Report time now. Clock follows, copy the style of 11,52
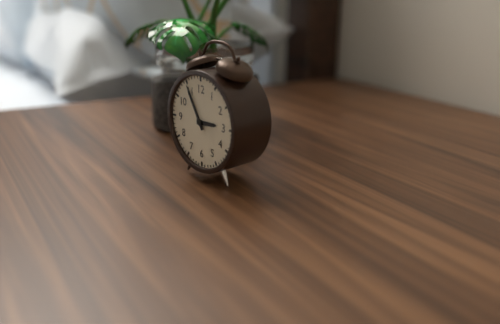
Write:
2,55
